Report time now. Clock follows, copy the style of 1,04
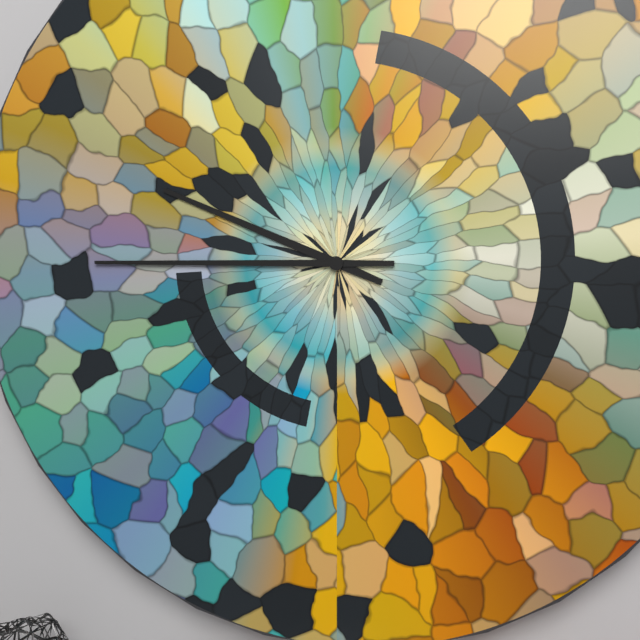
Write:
9,45
